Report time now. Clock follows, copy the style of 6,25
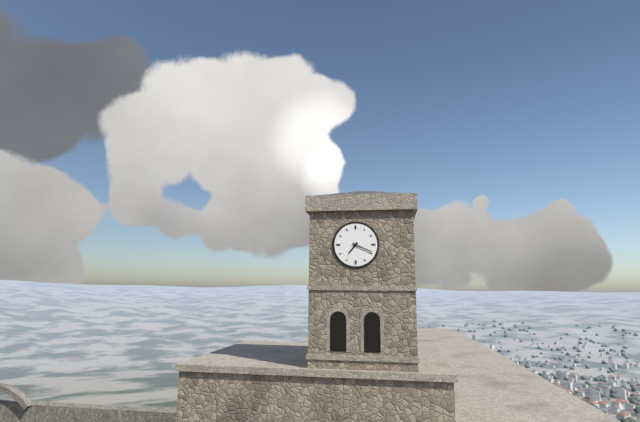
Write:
7,19
